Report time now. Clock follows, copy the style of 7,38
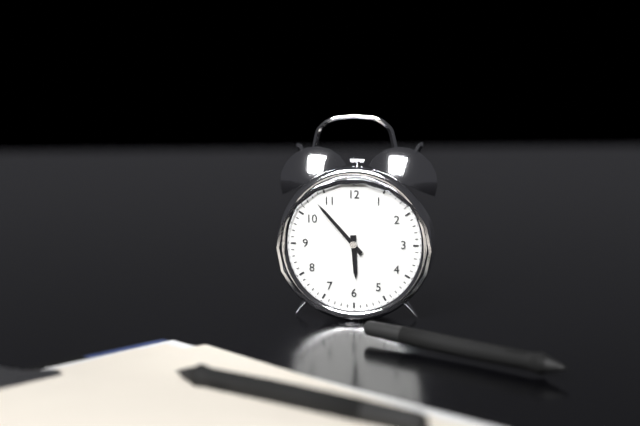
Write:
5,53
